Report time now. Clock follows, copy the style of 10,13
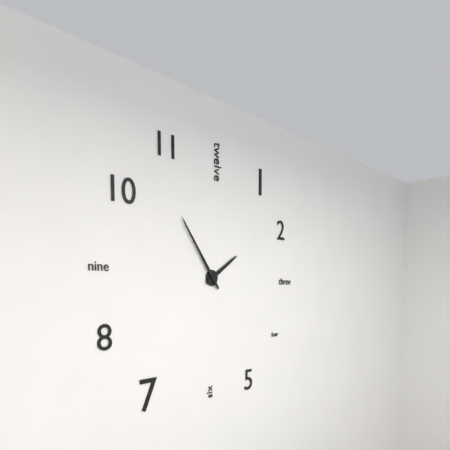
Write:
1,54
